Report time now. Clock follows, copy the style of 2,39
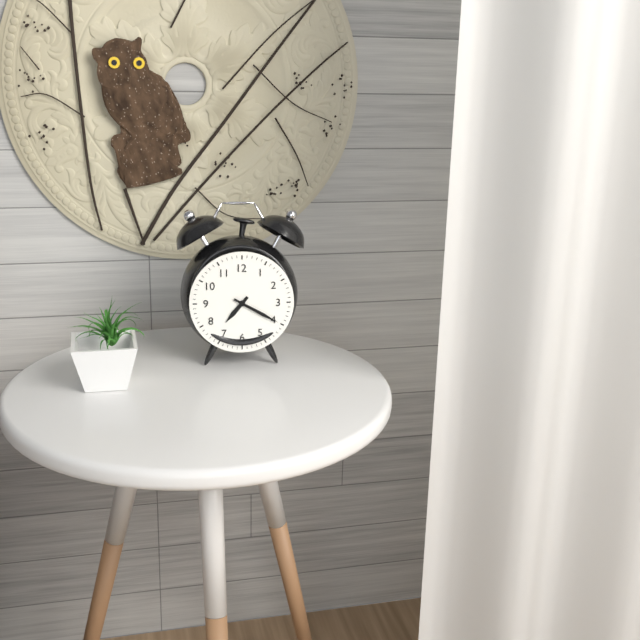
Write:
7,20
